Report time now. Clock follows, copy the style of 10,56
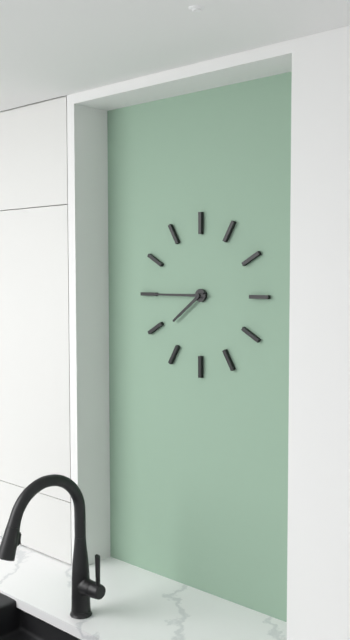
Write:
7,45
